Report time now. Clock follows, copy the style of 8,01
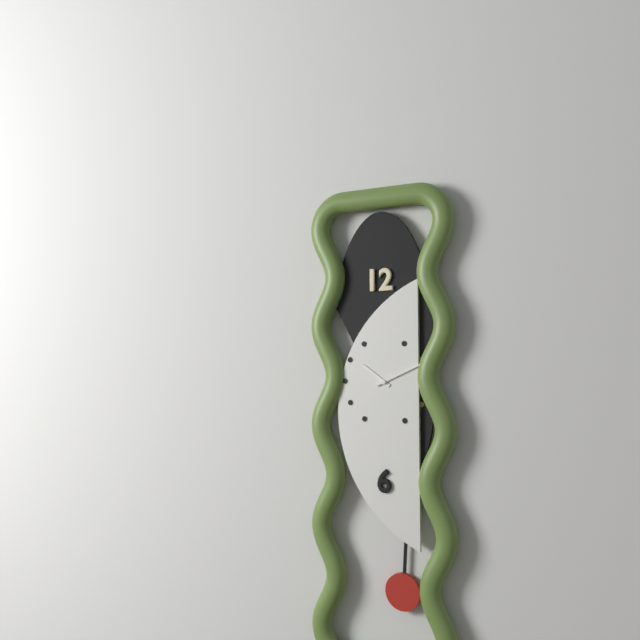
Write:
10,11
